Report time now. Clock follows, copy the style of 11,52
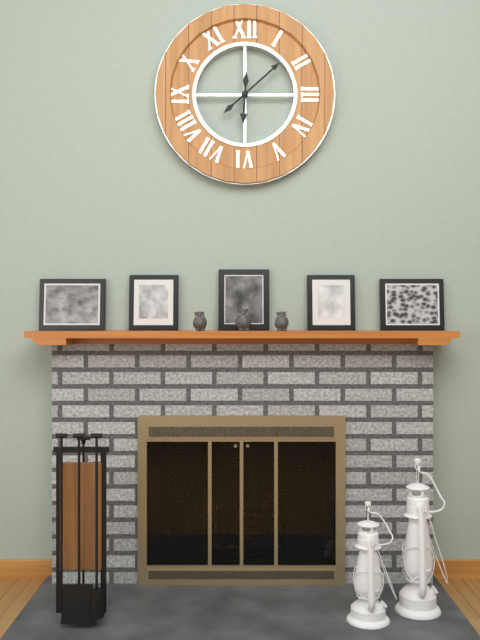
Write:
6,08
